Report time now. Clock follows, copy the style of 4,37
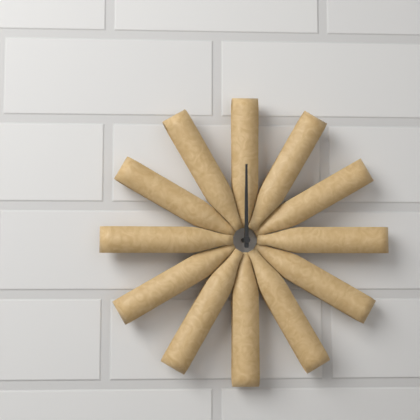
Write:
12,00
